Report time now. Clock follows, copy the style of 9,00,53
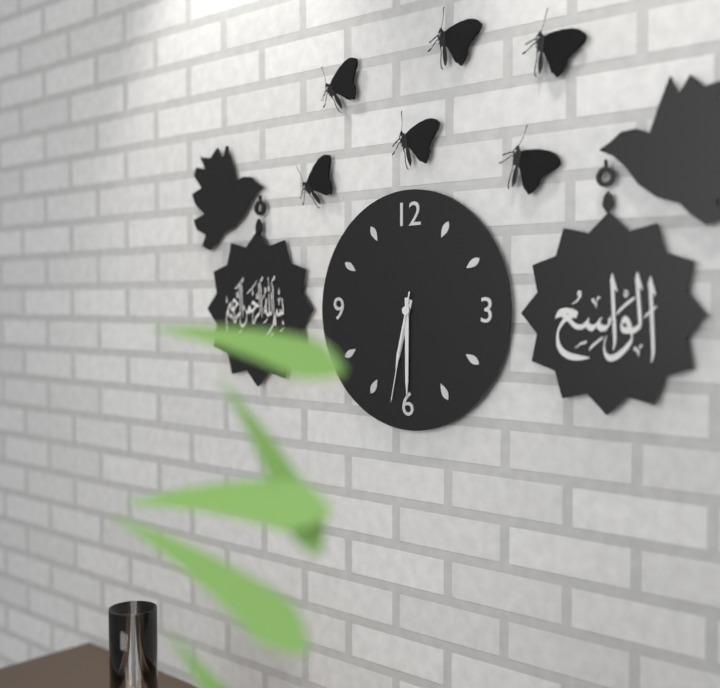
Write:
6,30,32
